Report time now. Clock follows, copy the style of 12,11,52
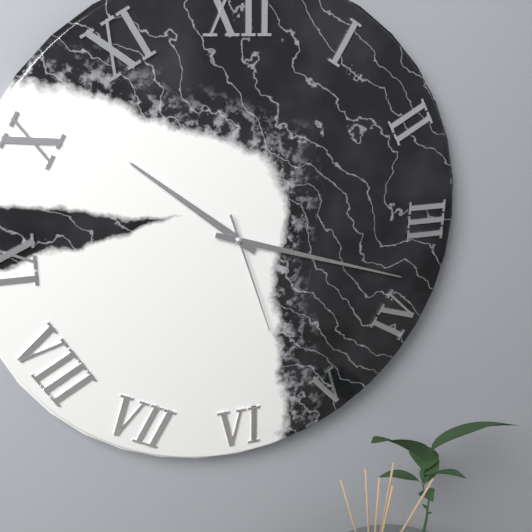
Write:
10,18,27
